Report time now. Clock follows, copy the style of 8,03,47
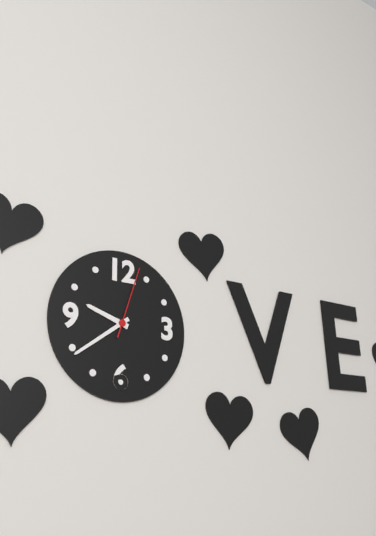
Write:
9,39,03
